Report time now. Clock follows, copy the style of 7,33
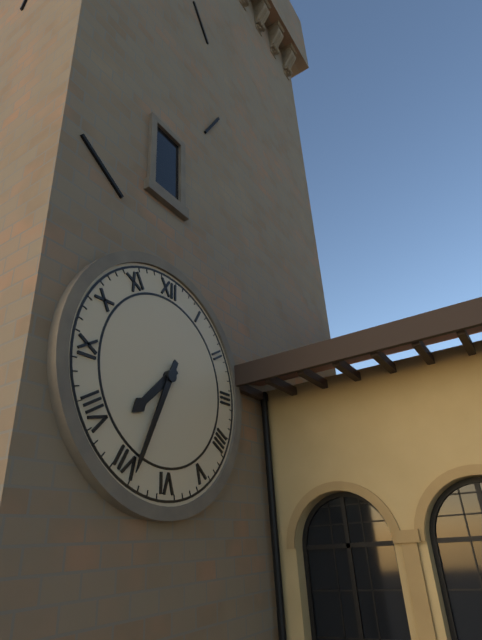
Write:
7,34
